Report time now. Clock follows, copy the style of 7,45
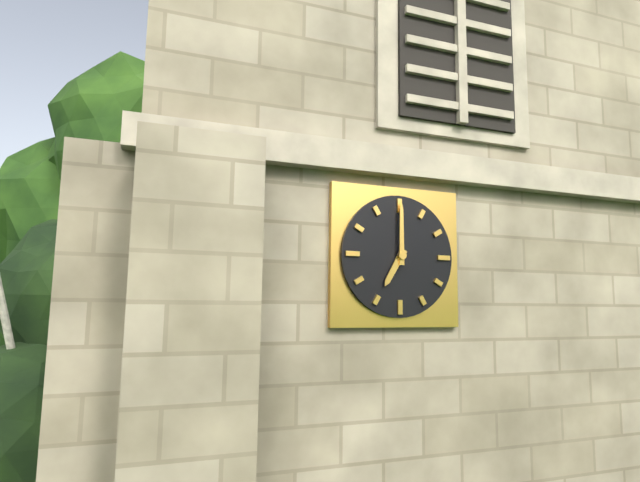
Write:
7,00
